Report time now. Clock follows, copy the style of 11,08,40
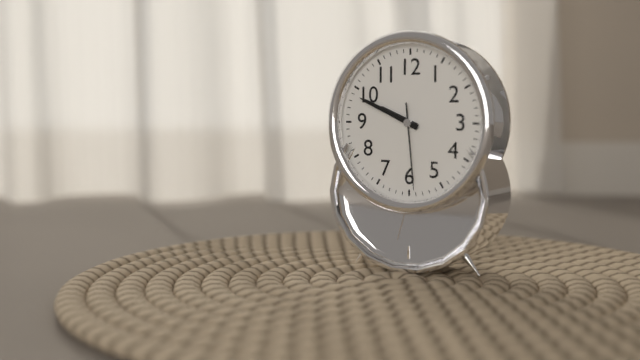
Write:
9,49,29
